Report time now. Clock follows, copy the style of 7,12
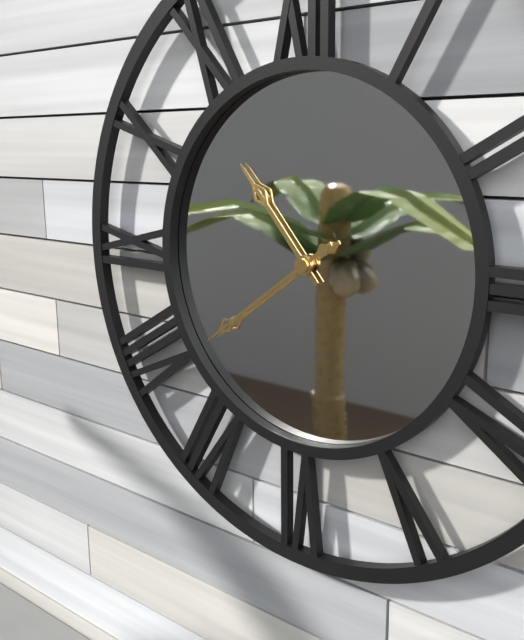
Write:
10,39
